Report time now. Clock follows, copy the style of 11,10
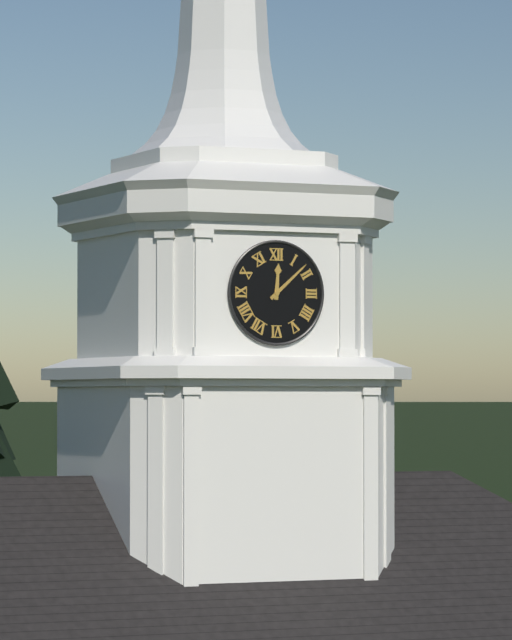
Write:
12,08
